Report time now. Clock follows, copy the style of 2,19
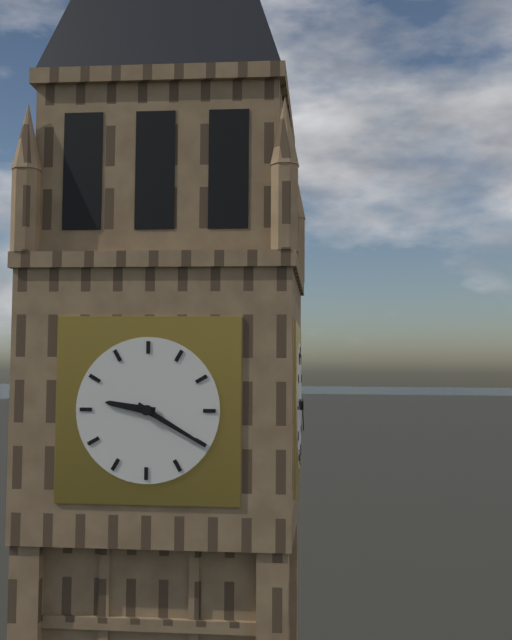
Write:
9,20
